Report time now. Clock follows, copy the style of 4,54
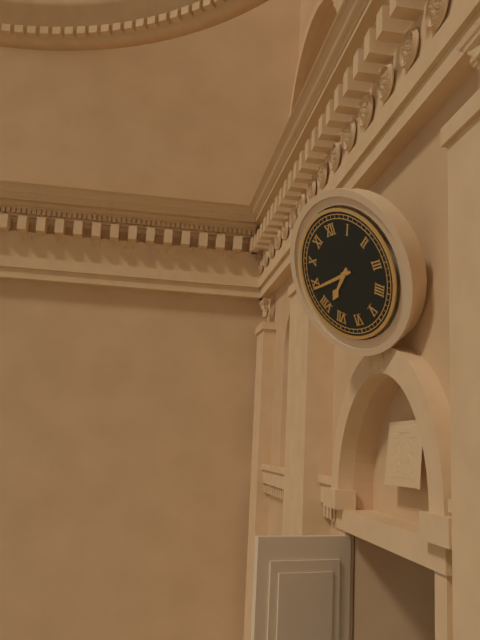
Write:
7,44
